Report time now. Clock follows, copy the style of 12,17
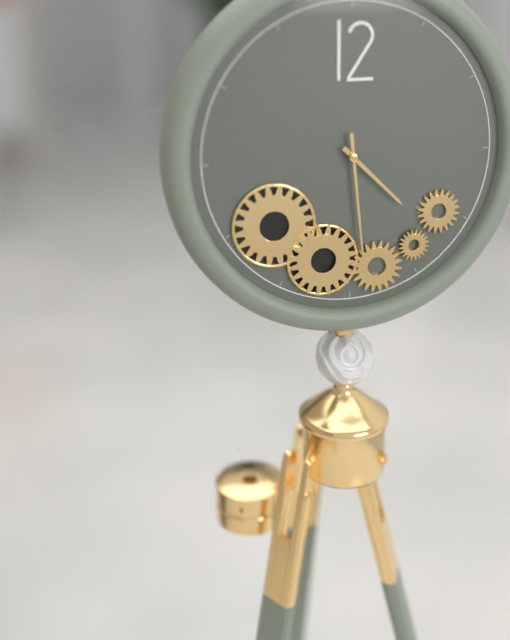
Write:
4,29
